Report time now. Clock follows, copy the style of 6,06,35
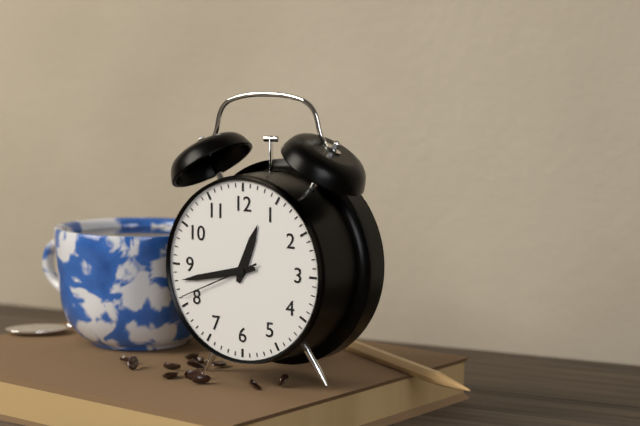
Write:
12,43,41
